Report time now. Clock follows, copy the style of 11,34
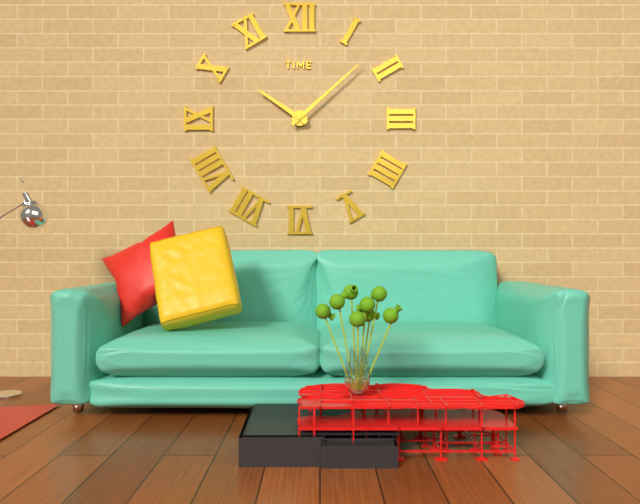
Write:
10,08
